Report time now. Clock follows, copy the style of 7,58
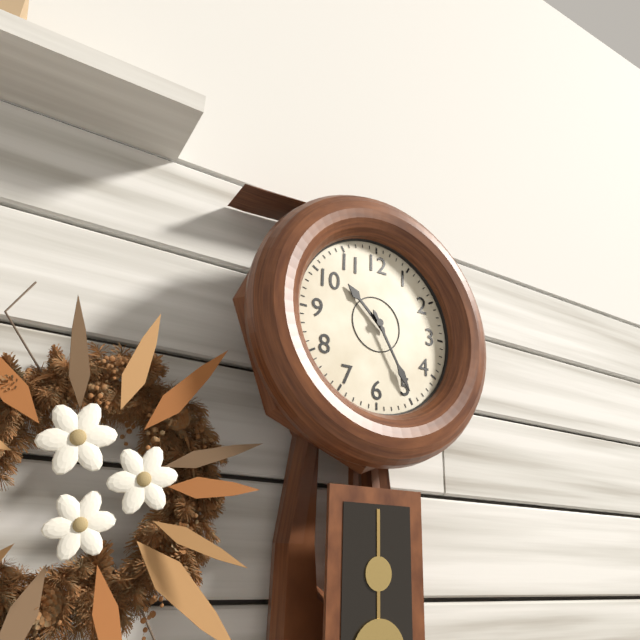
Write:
10,25
